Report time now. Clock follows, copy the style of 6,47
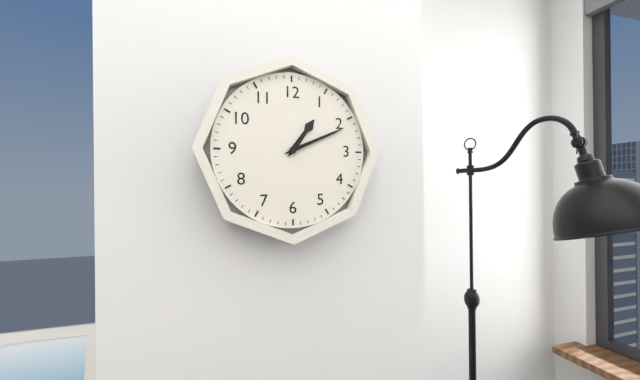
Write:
1,11
